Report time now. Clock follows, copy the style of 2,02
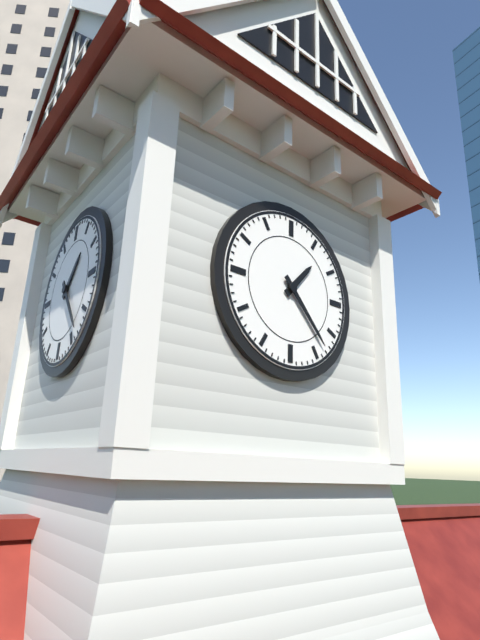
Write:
1,23
